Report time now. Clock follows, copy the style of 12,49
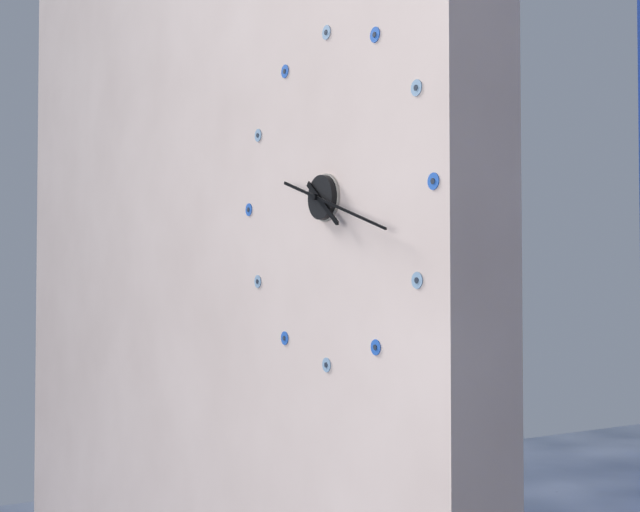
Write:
4,18
